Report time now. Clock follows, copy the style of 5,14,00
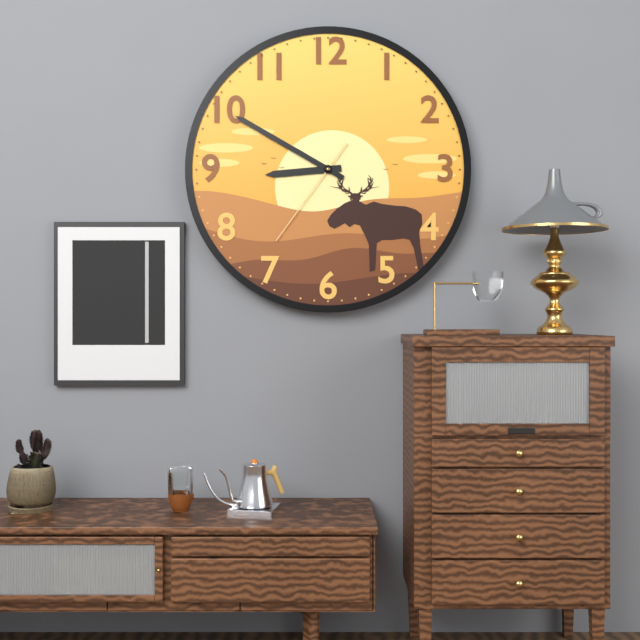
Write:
8,50,36
